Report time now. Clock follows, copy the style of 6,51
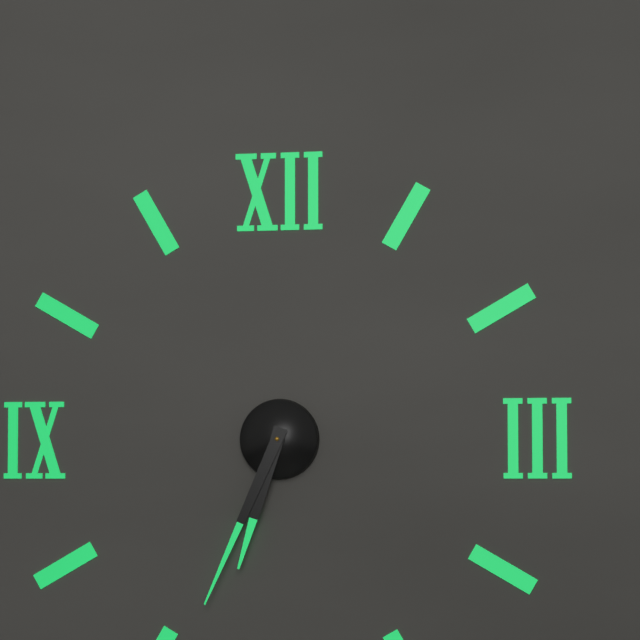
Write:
6,34
